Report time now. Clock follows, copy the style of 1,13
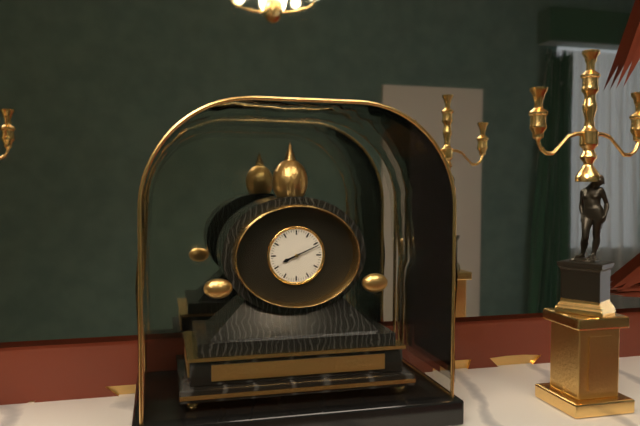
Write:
8,11
